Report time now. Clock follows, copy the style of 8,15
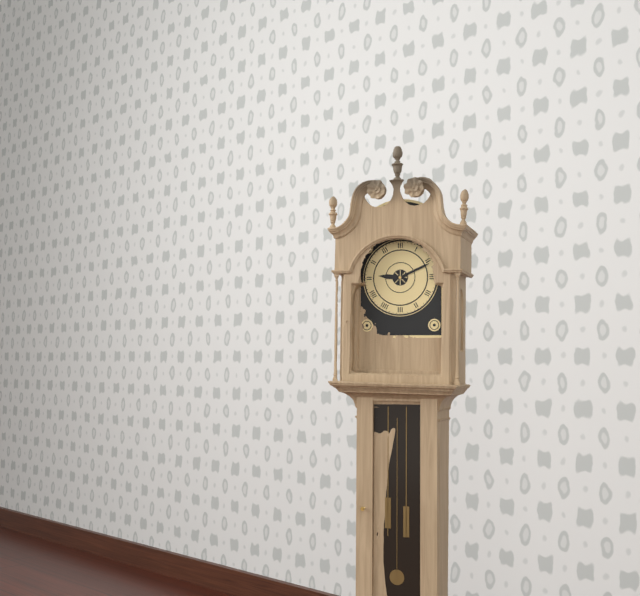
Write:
9,11
